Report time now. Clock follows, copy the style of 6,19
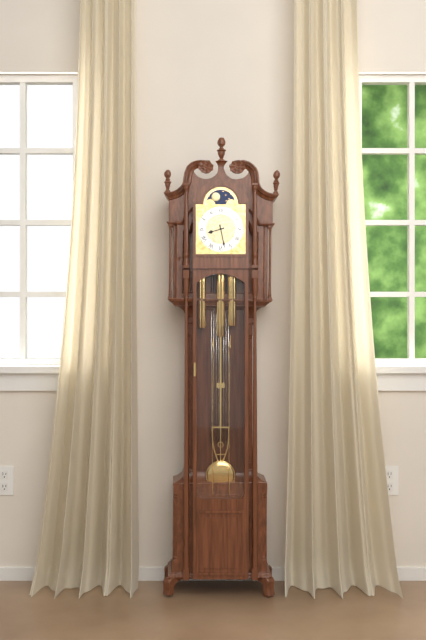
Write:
8,28
